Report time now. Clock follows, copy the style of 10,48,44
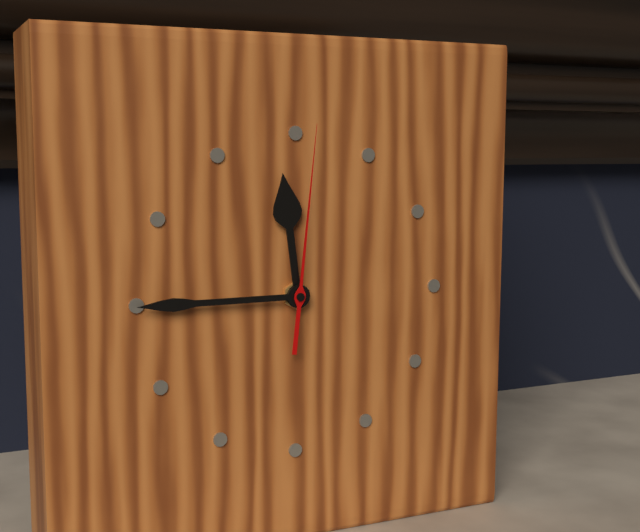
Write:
11,45,01
